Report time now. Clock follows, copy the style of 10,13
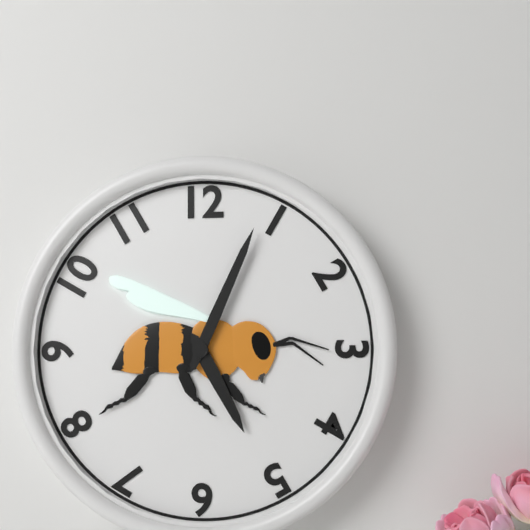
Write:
5,04
